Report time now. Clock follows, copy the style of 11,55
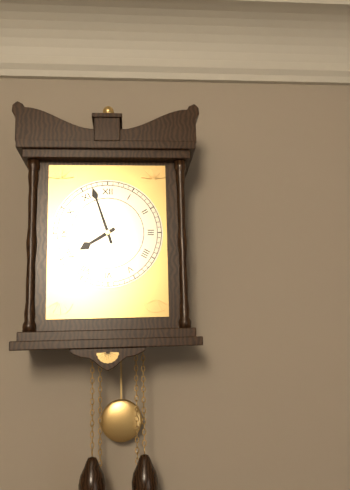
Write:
7,57
